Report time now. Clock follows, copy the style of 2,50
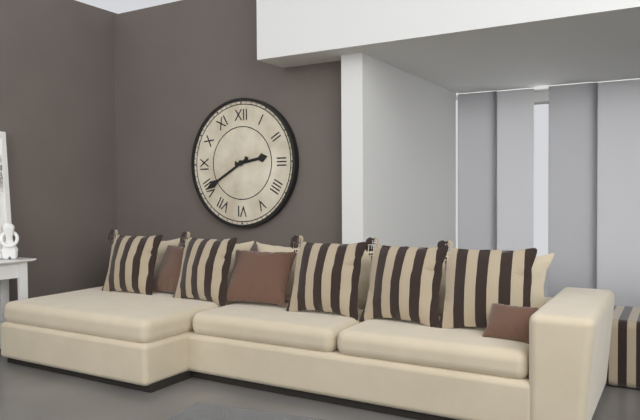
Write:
2,40
